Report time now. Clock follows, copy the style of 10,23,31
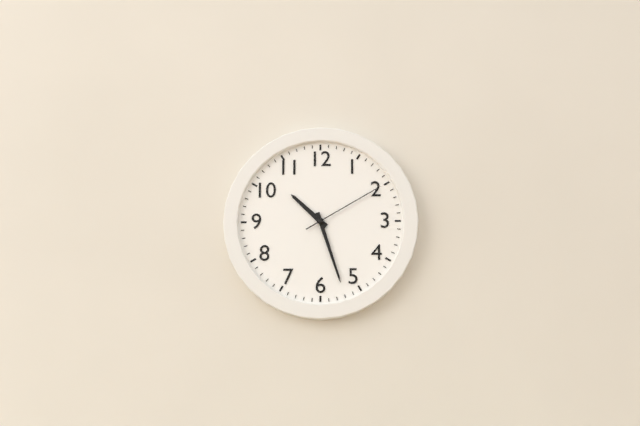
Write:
10,27,10
